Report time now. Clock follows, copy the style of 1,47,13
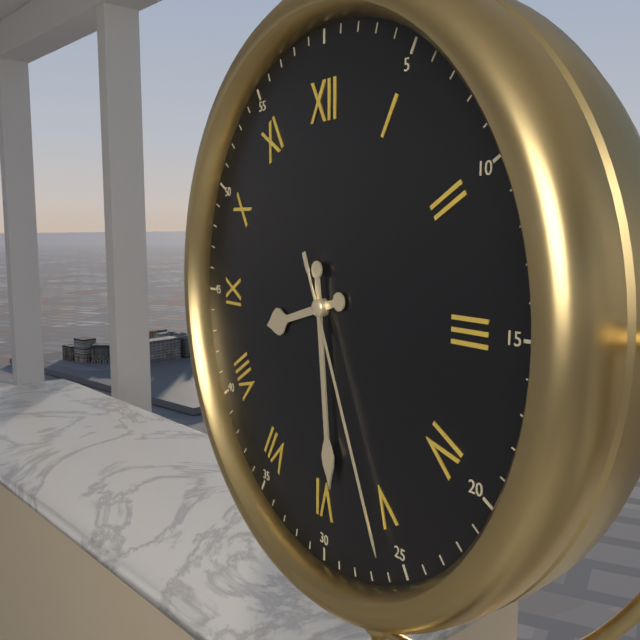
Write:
8,29,26
